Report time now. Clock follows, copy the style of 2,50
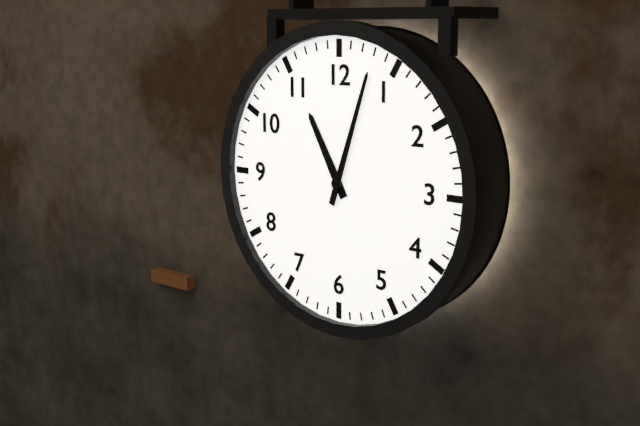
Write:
11,03
